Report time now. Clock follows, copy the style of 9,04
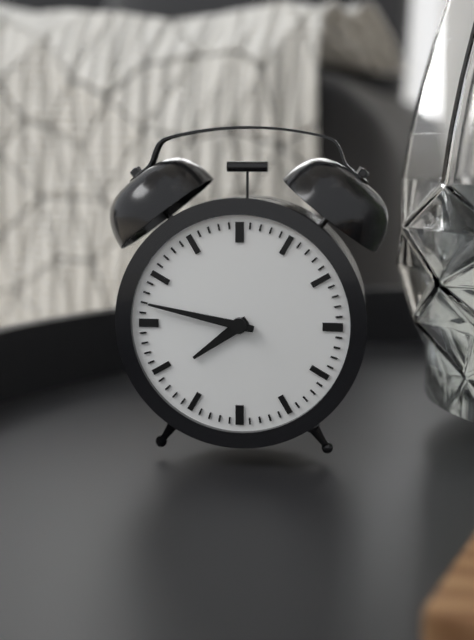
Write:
7,47
